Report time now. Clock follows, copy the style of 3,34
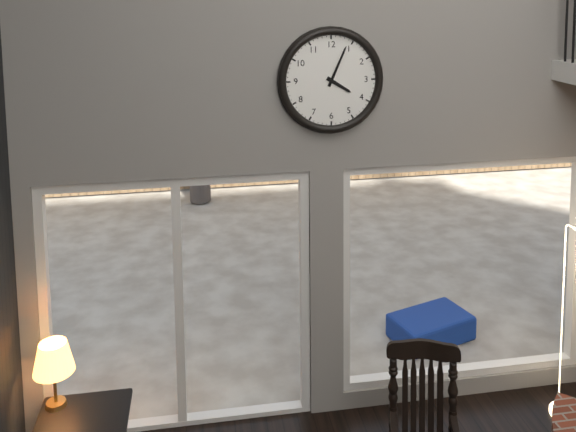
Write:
4,04
